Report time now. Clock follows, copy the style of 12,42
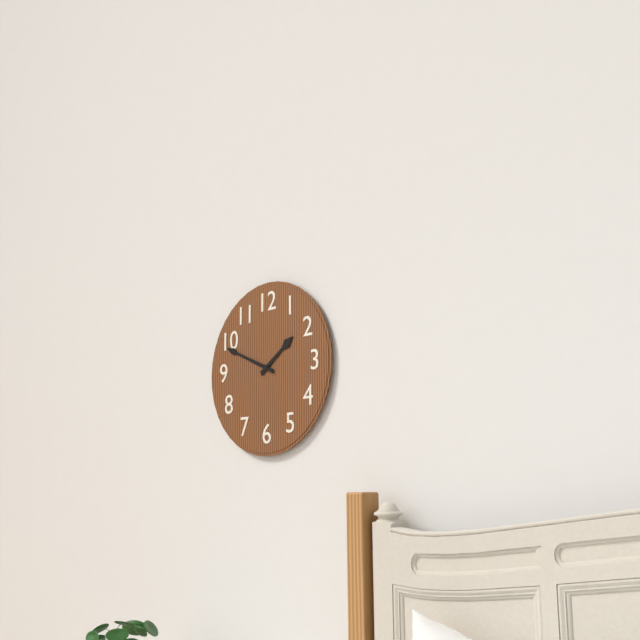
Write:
1,49
